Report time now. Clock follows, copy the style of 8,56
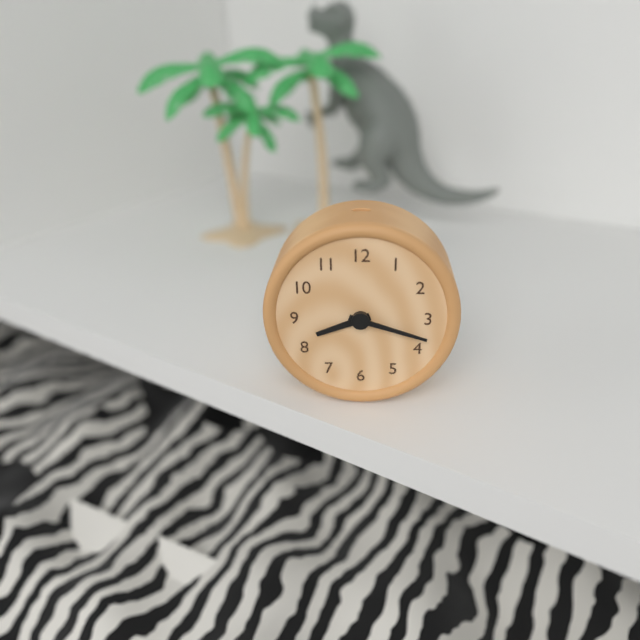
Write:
8,18
